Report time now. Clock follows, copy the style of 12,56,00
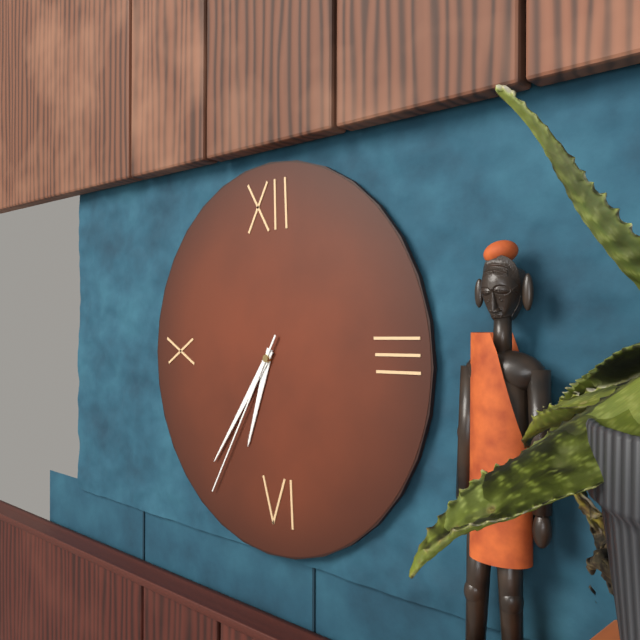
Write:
6,36,35
